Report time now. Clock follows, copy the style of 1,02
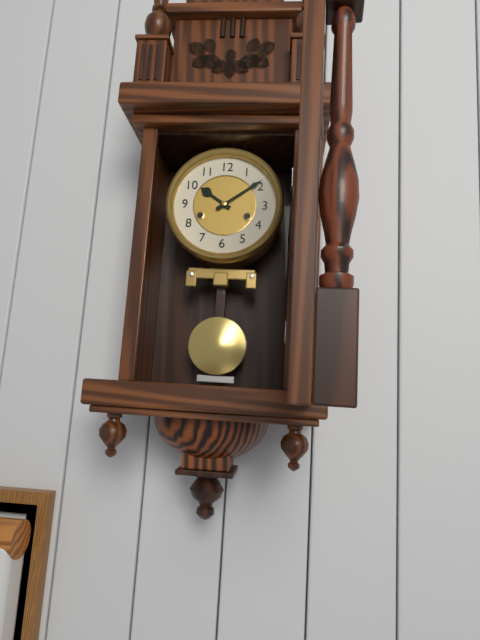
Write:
10,09
